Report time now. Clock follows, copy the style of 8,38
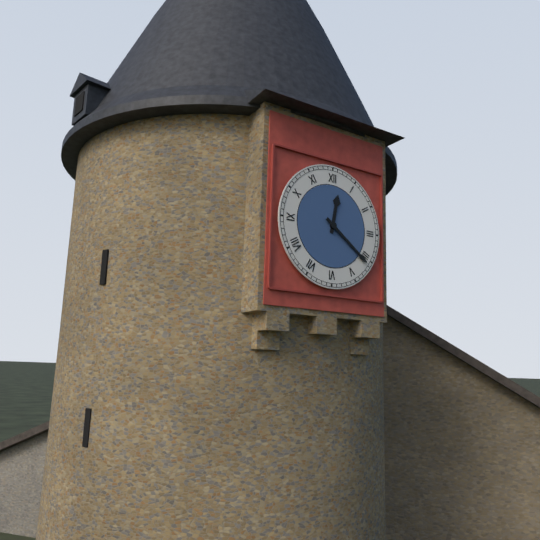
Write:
12,21
